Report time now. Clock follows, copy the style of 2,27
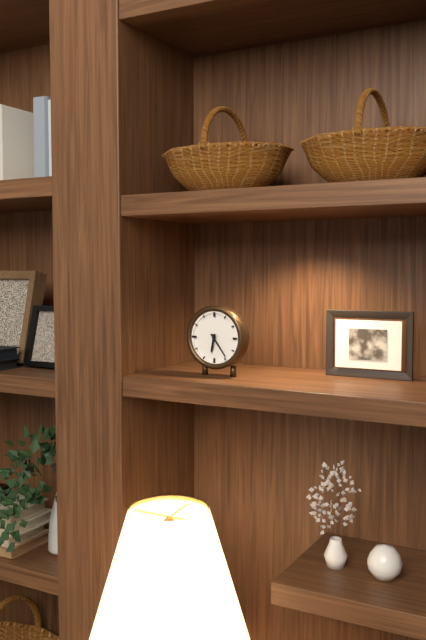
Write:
6,24
